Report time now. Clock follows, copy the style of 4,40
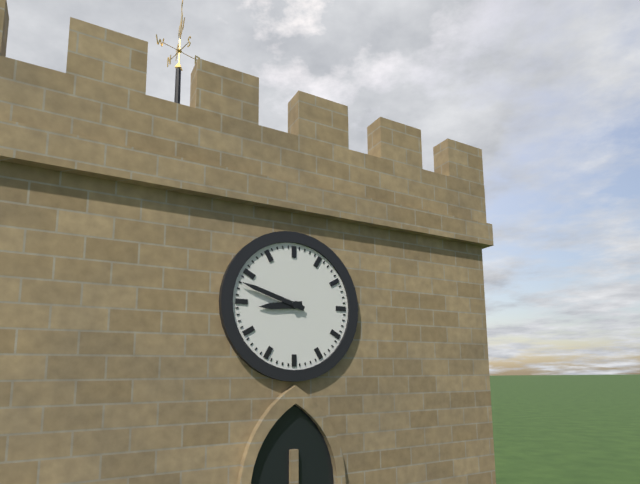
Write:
8,48
